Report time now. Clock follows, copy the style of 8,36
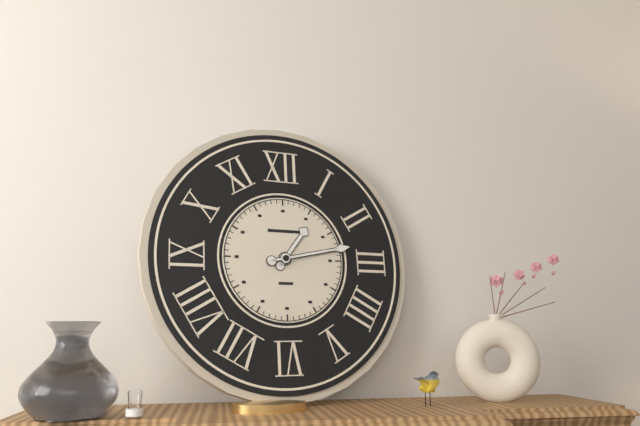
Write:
1,13
